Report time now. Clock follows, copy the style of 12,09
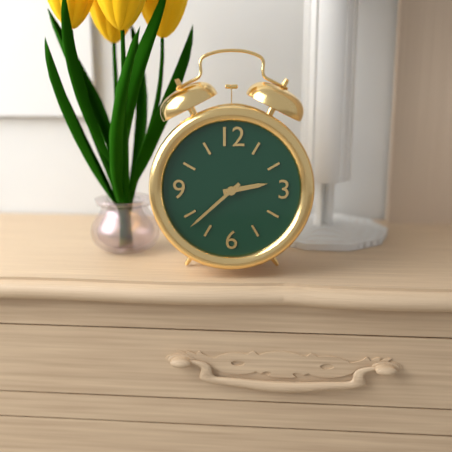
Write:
2,38
